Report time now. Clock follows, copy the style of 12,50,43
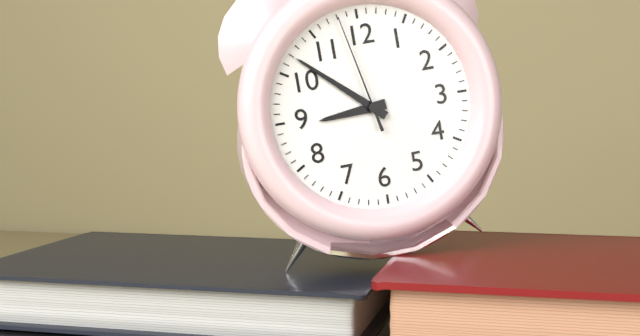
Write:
8,52,58
